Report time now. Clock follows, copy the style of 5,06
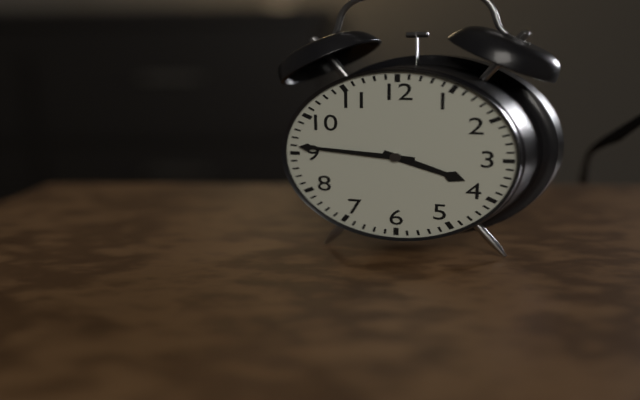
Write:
3,46
